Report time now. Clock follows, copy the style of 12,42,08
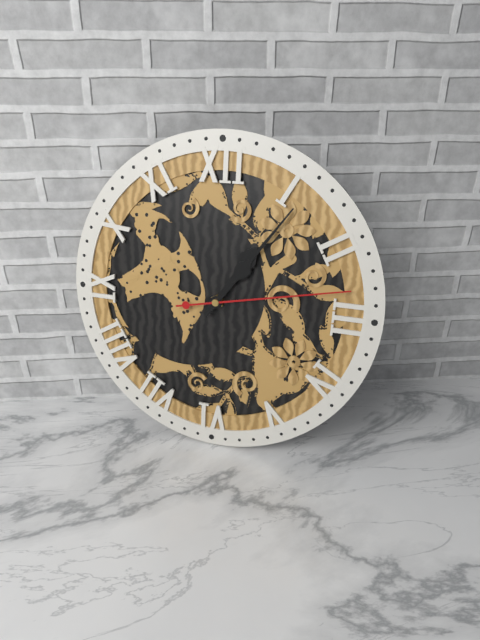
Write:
1,06,13
